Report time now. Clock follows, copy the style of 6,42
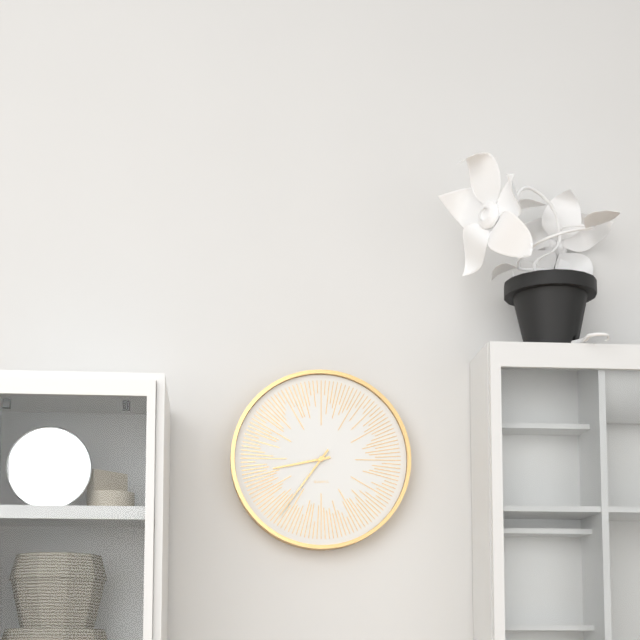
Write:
8,36
